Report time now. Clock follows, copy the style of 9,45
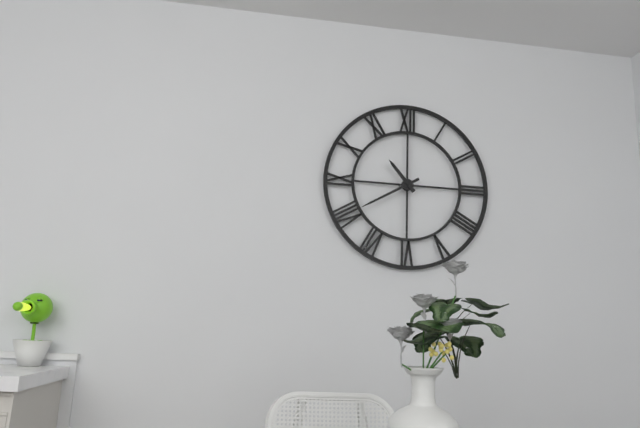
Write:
10,40
